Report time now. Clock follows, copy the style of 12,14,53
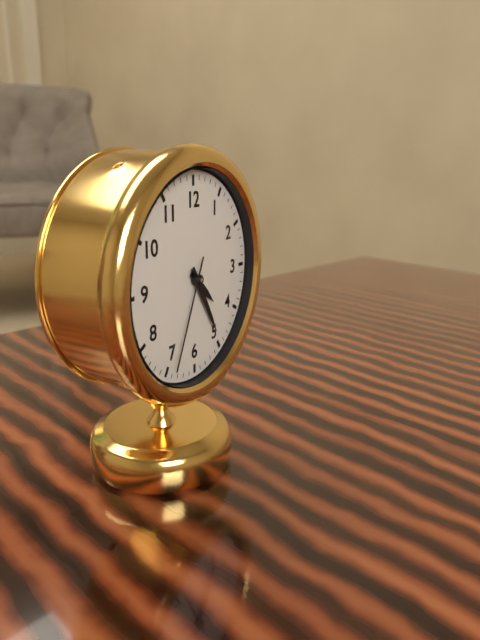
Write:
4,25,34
